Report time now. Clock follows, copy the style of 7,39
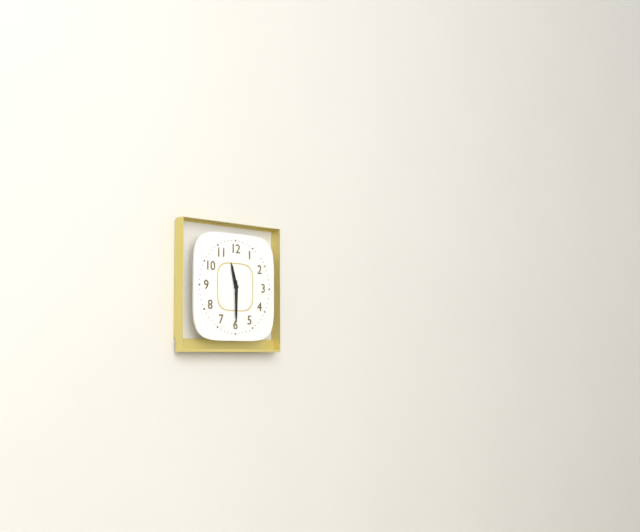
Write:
11,30
